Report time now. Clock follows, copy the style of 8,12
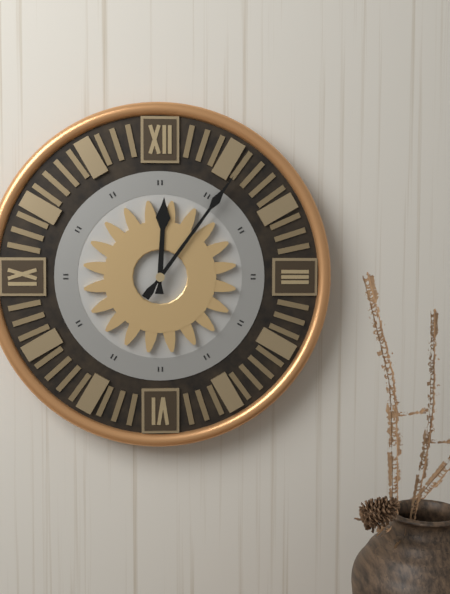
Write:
12,06
